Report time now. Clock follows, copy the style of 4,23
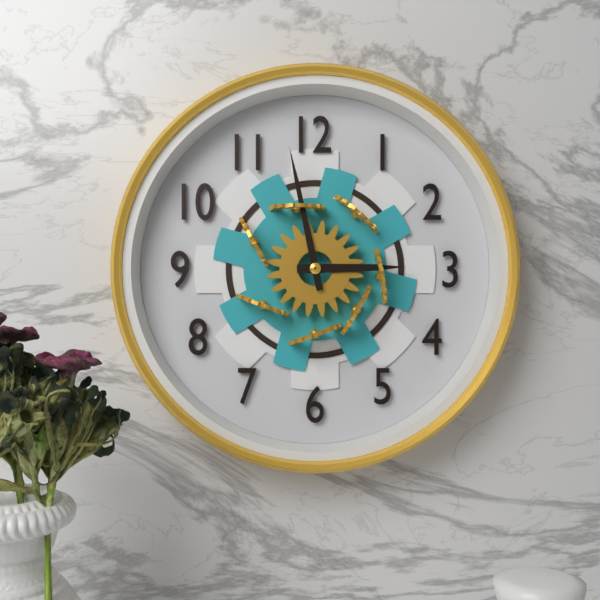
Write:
2,58
